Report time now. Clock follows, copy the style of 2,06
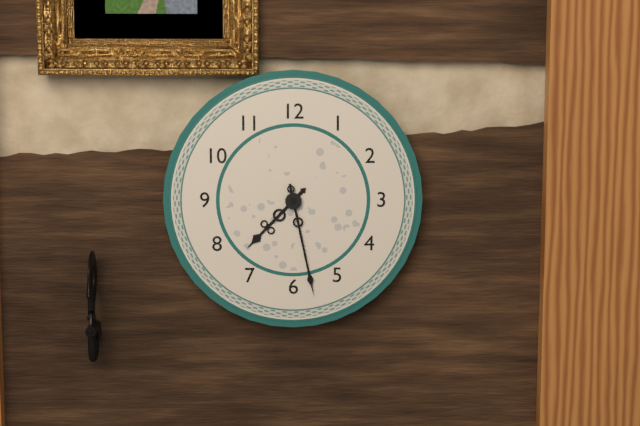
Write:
7,28
